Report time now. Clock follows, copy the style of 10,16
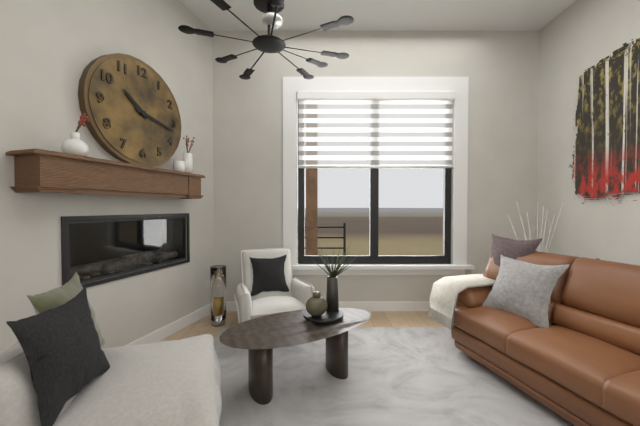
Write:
10,17
